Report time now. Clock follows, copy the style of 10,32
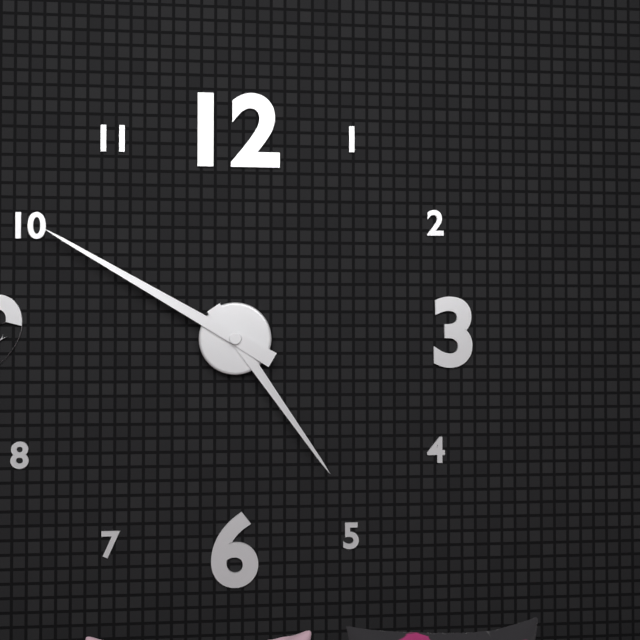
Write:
4,50
